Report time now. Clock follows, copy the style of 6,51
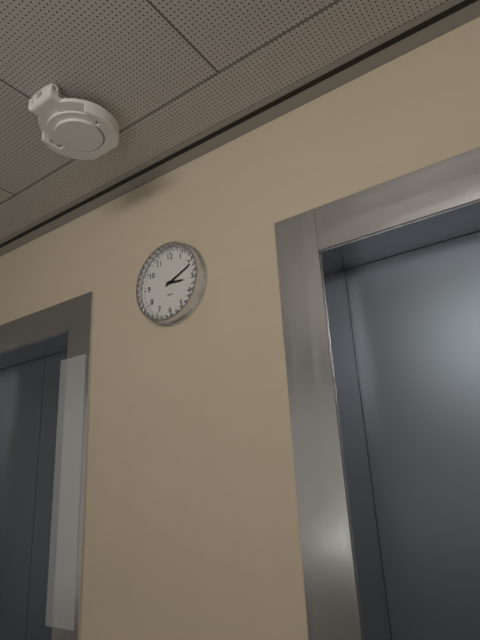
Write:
3,11
